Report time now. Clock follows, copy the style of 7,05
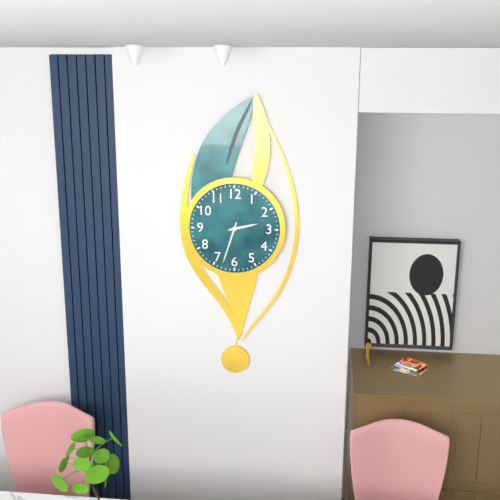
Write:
2,33
